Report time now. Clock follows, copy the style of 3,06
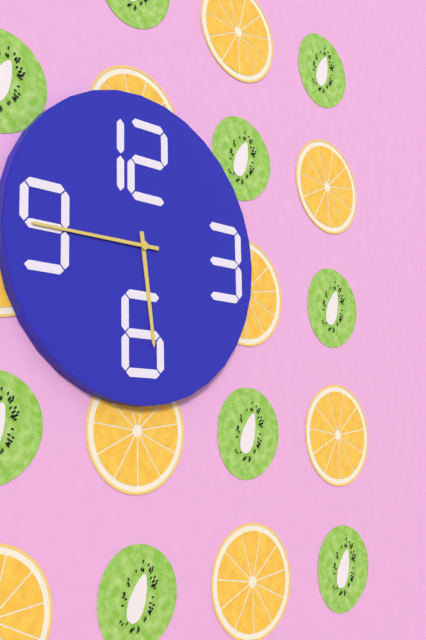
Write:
5,45
